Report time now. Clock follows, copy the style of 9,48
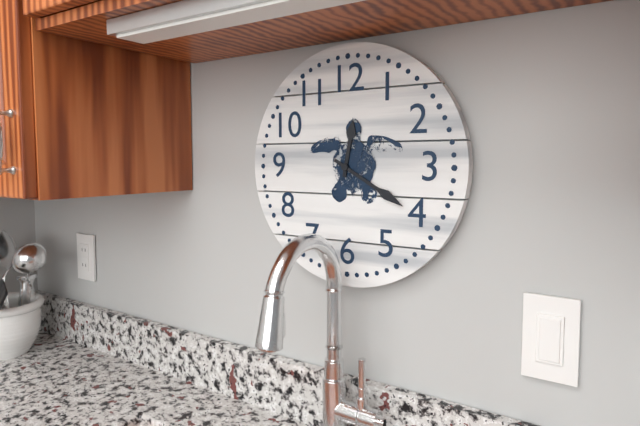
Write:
12,20
